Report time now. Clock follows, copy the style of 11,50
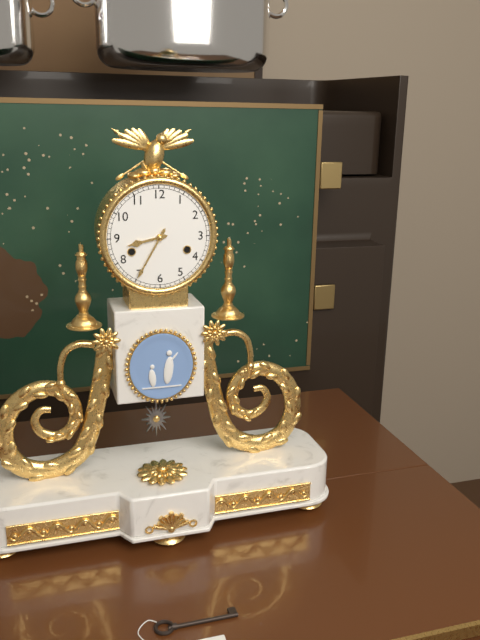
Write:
8,35
